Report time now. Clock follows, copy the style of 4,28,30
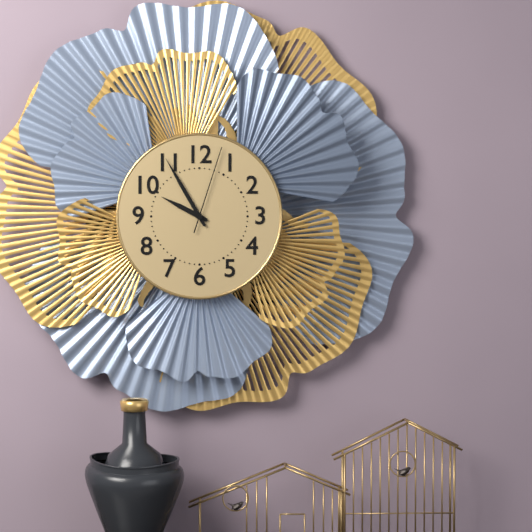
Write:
9,55,03
